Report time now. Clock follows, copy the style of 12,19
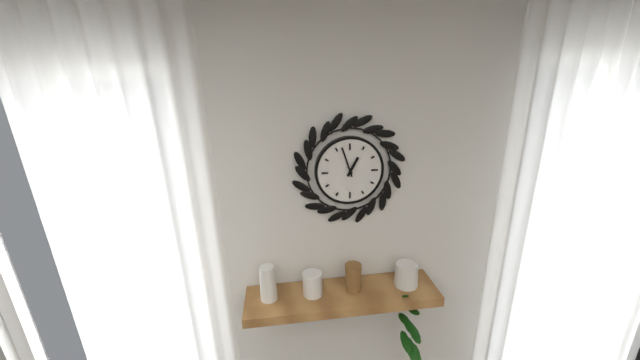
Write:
12,57
